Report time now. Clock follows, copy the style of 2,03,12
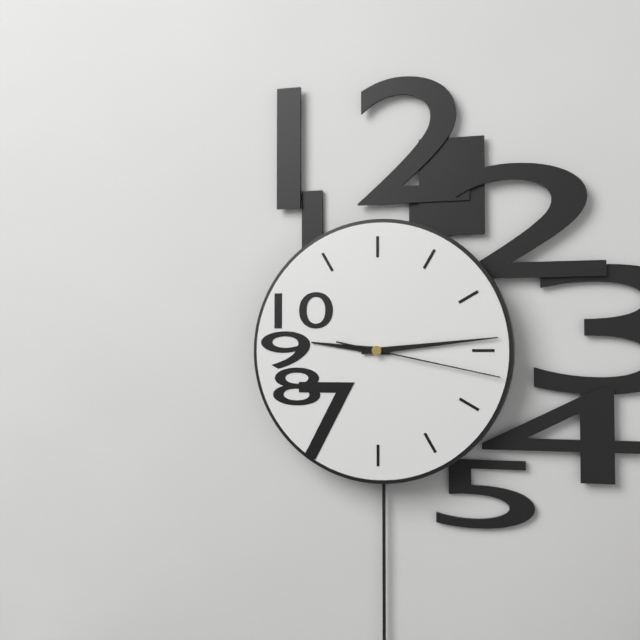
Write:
9,14,17
